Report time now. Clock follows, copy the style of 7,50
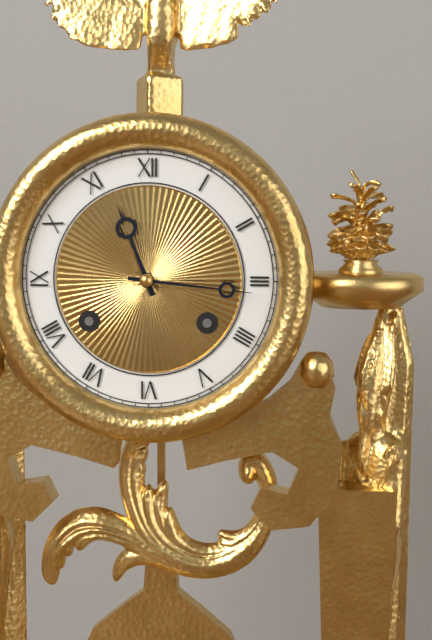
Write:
11,16
